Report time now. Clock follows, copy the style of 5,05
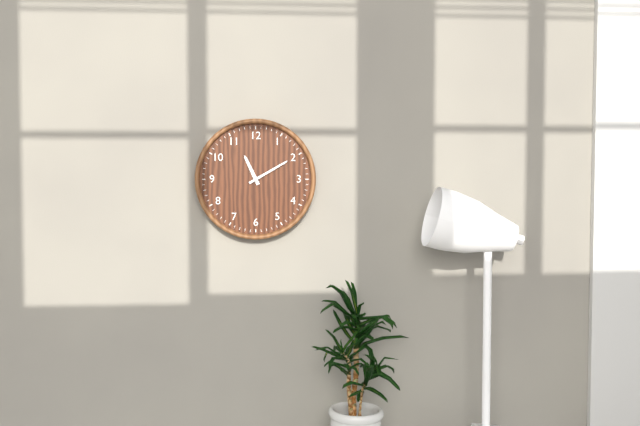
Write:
11,10
